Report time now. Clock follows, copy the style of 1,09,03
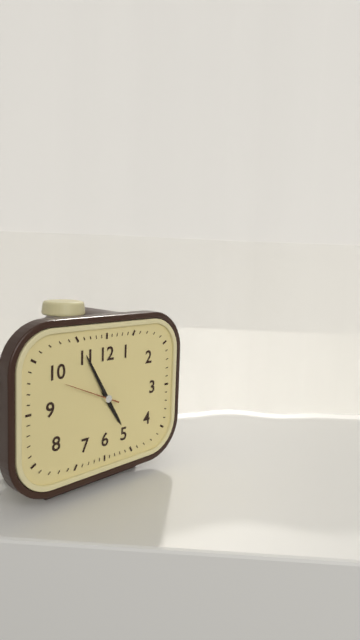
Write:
4,55,49
